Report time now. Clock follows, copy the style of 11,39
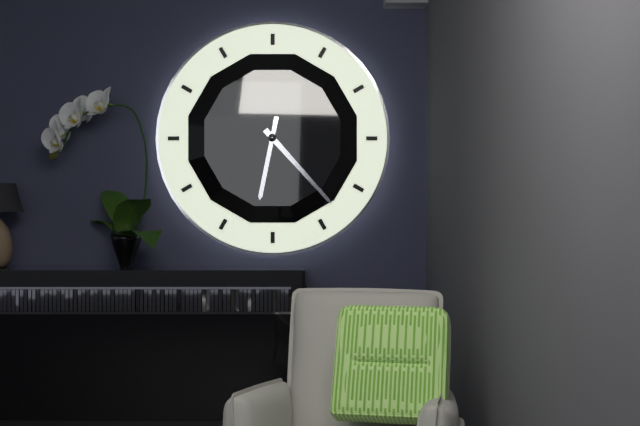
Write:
6,23
